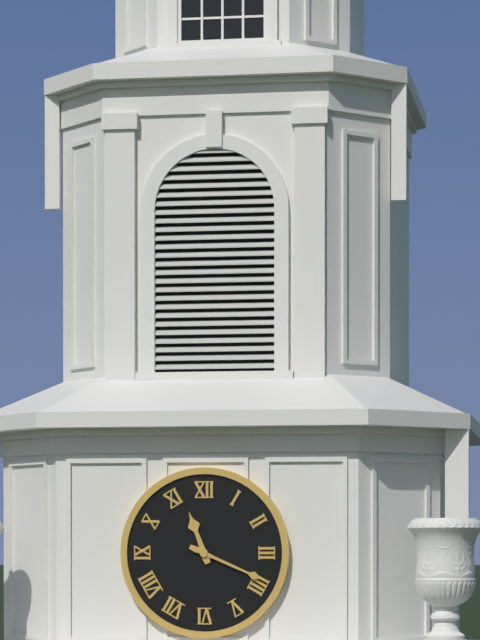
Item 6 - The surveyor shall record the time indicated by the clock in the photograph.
11:19
